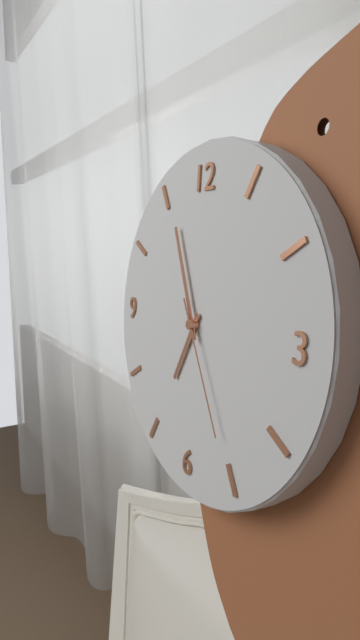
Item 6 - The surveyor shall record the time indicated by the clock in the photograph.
6:56:25
